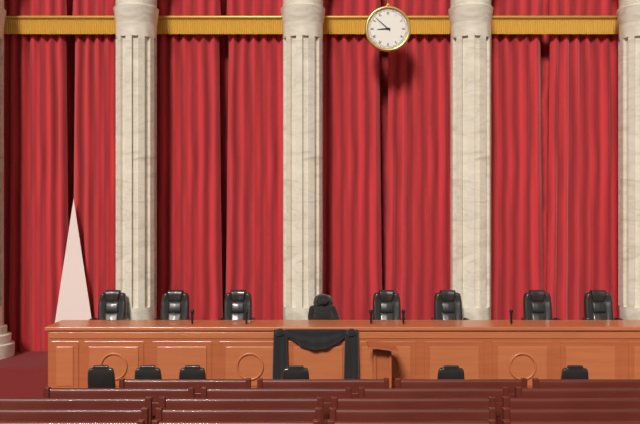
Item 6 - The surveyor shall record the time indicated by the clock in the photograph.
8:52
